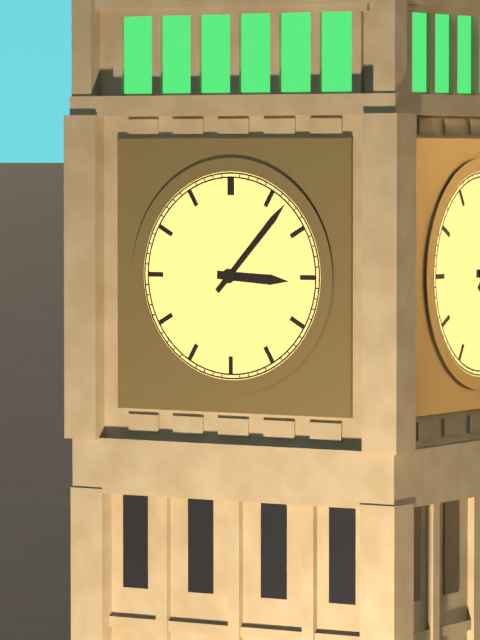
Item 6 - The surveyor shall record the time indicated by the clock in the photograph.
3:07
